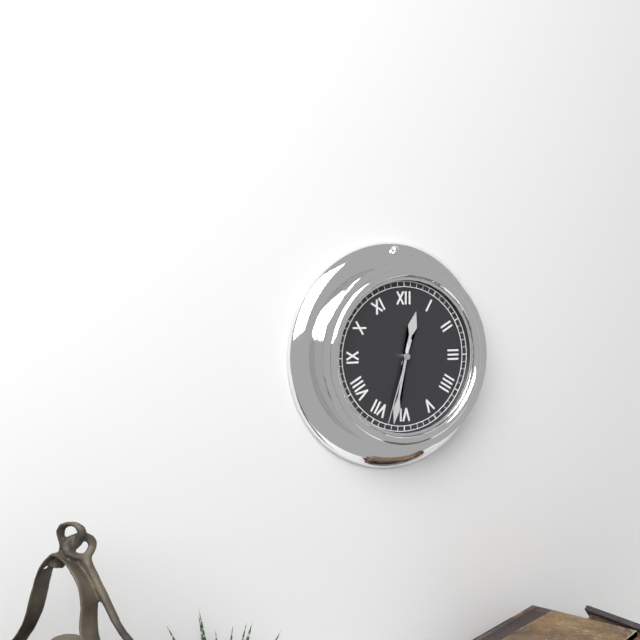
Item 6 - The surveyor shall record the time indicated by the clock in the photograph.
12:32:33
